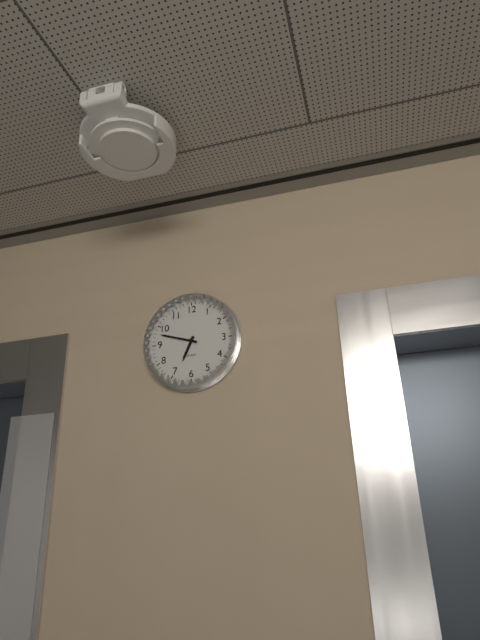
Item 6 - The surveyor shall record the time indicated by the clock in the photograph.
6:48
